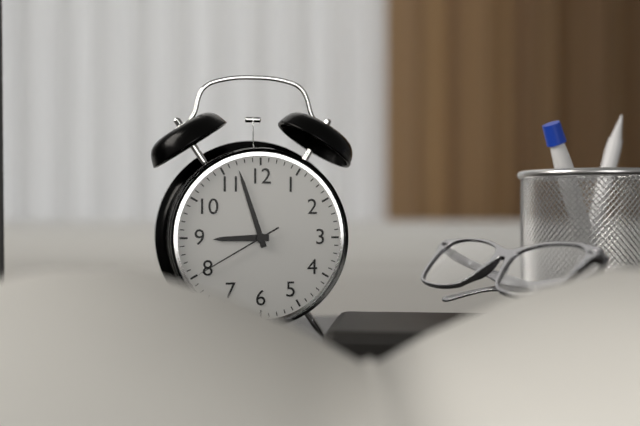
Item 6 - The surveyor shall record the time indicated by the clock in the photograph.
8:57:40
